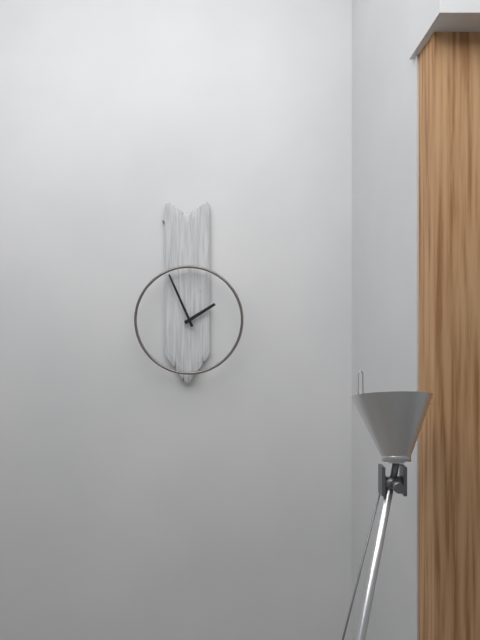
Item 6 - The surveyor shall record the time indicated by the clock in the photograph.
1:56
